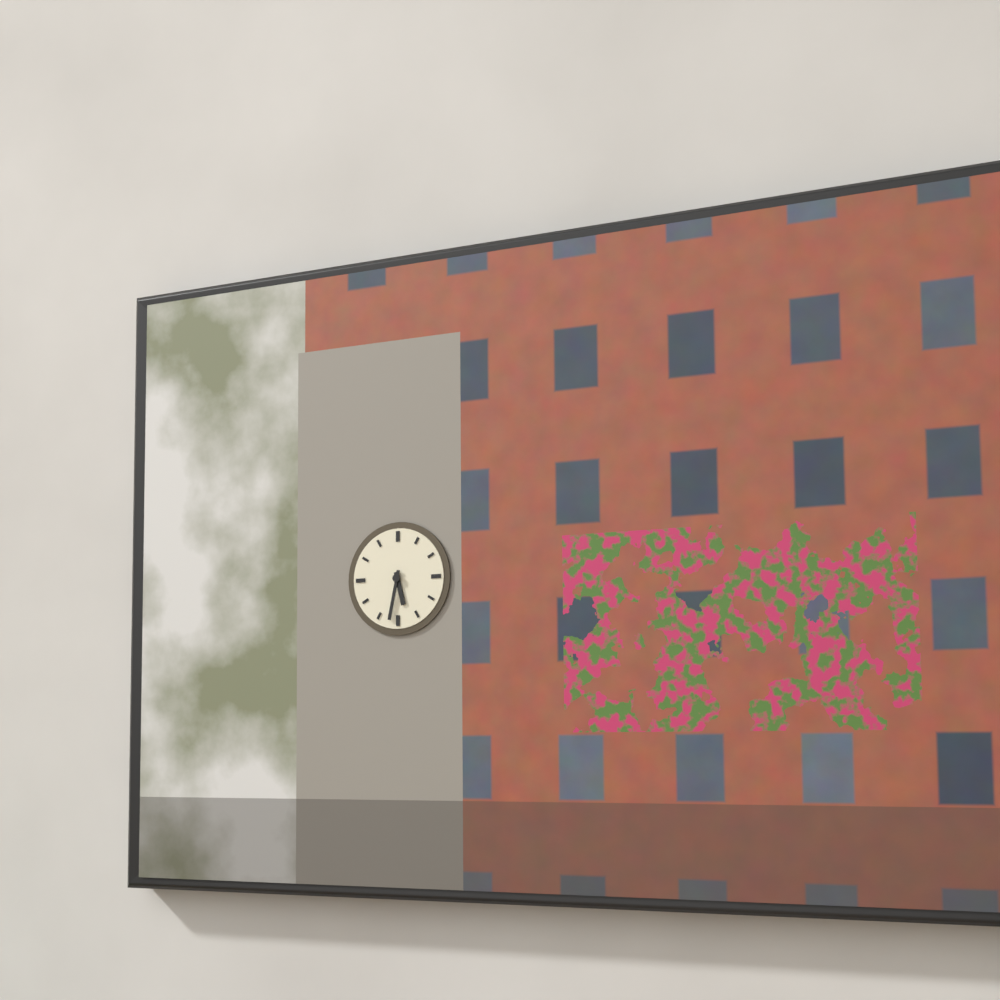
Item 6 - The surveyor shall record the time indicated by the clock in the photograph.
5:32
